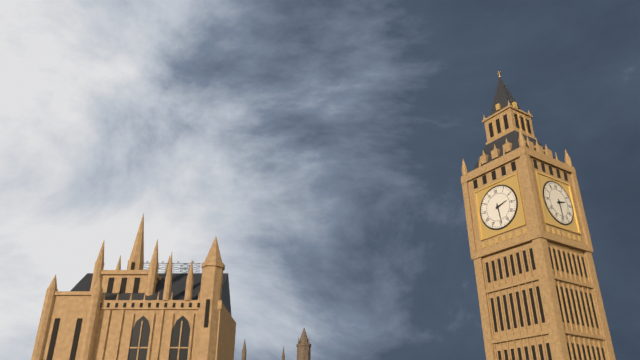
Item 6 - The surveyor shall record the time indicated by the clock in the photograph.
2:29
